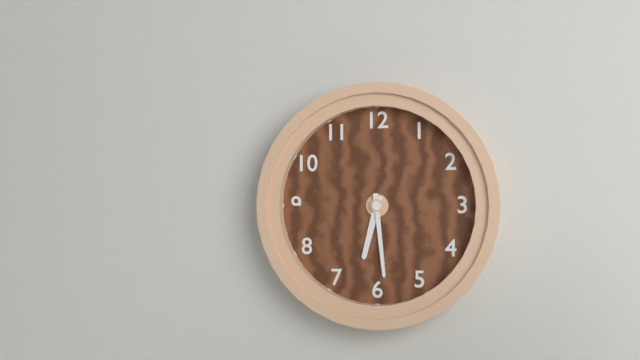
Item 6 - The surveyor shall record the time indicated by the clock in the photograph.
6:29
